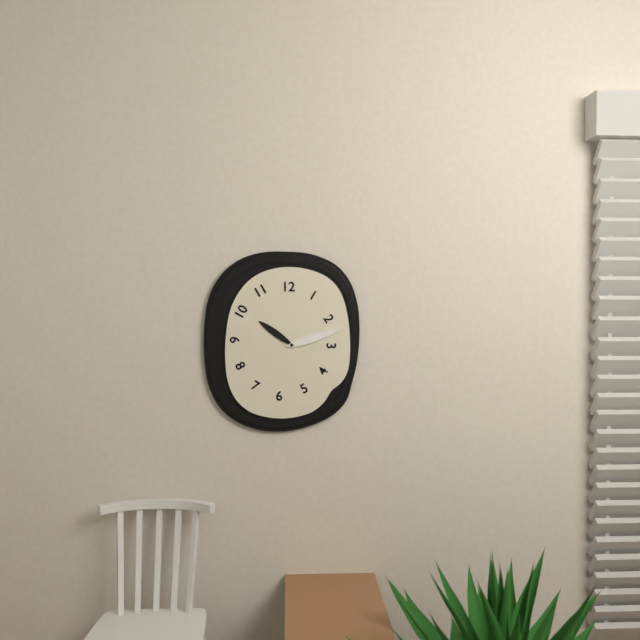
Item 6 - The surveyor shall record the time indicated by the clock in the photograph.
10:12
